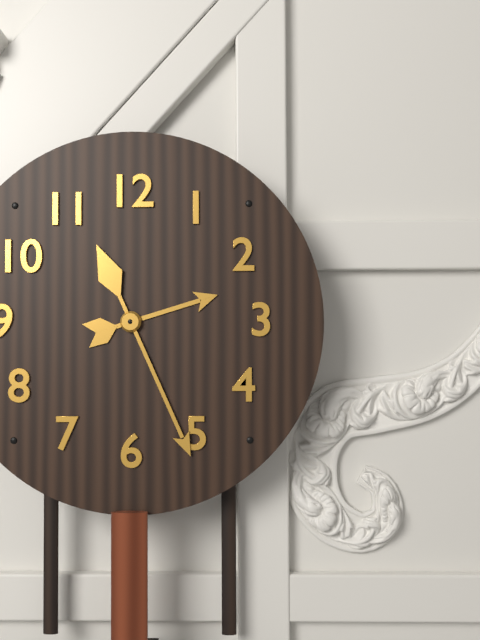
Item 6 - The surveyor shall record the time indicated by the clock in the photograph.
2:26
